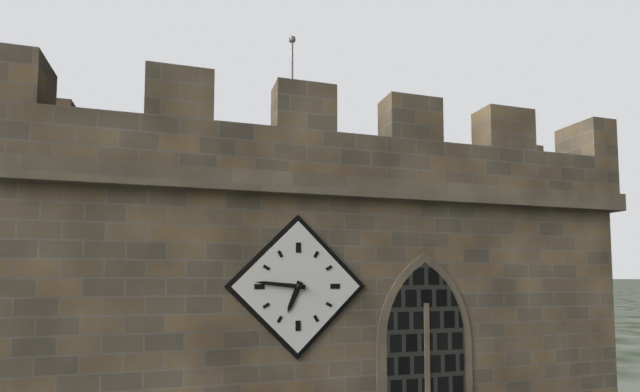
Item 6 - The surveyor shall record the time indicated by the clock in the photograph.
6:46
